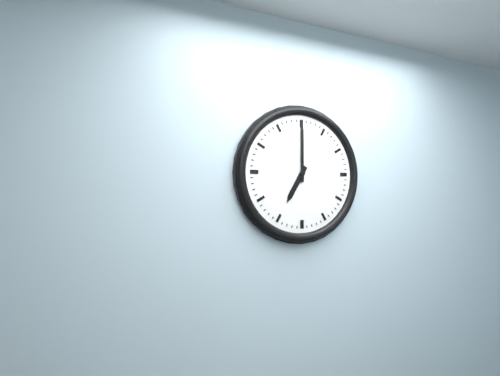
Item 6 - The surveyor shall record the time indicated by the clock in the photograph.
7:00
